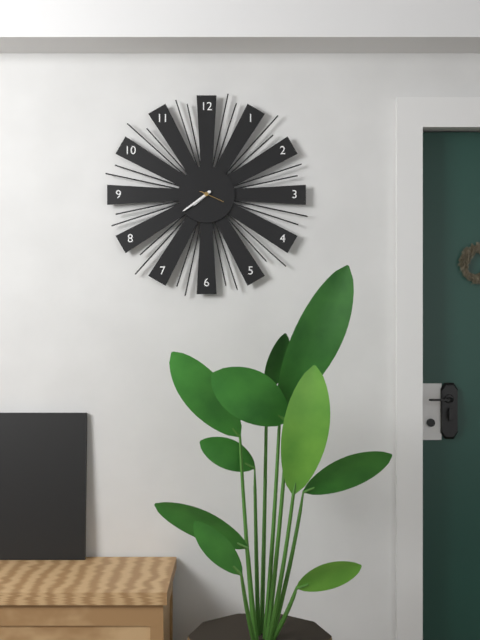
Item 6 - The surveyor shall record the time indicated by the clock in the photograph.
7:39
